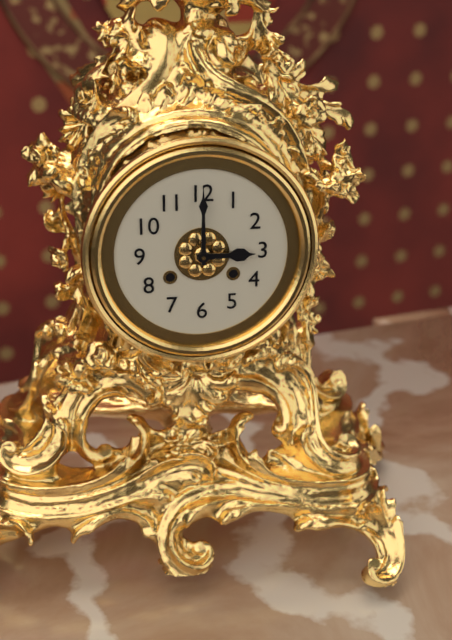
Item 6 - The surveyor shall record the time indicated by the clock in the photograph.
3:00
